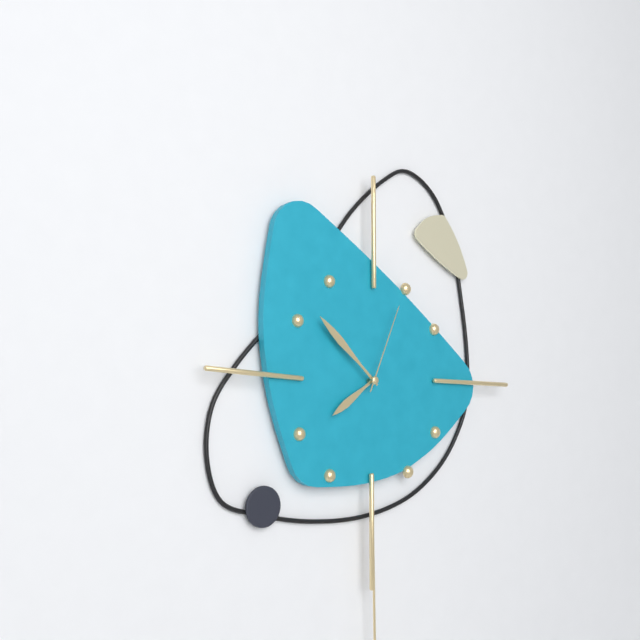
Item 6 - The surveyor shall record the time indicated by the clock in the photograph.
7:52:04
